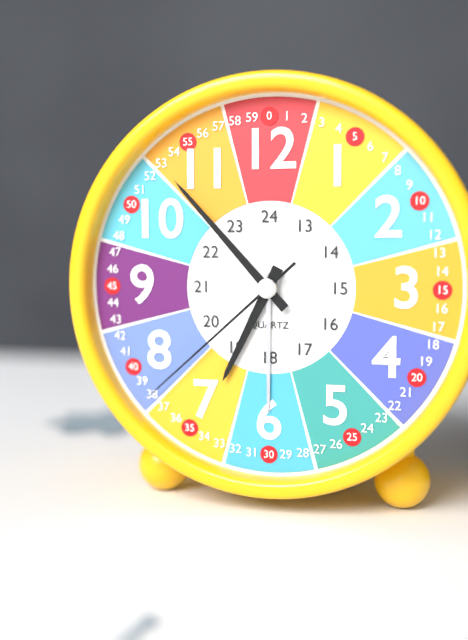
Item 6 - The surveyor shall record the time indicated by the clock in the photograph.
6:53:38
